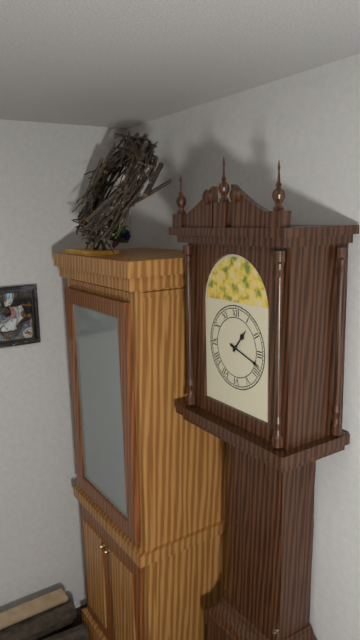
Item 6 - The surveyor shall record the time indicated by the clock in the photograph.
1:18
